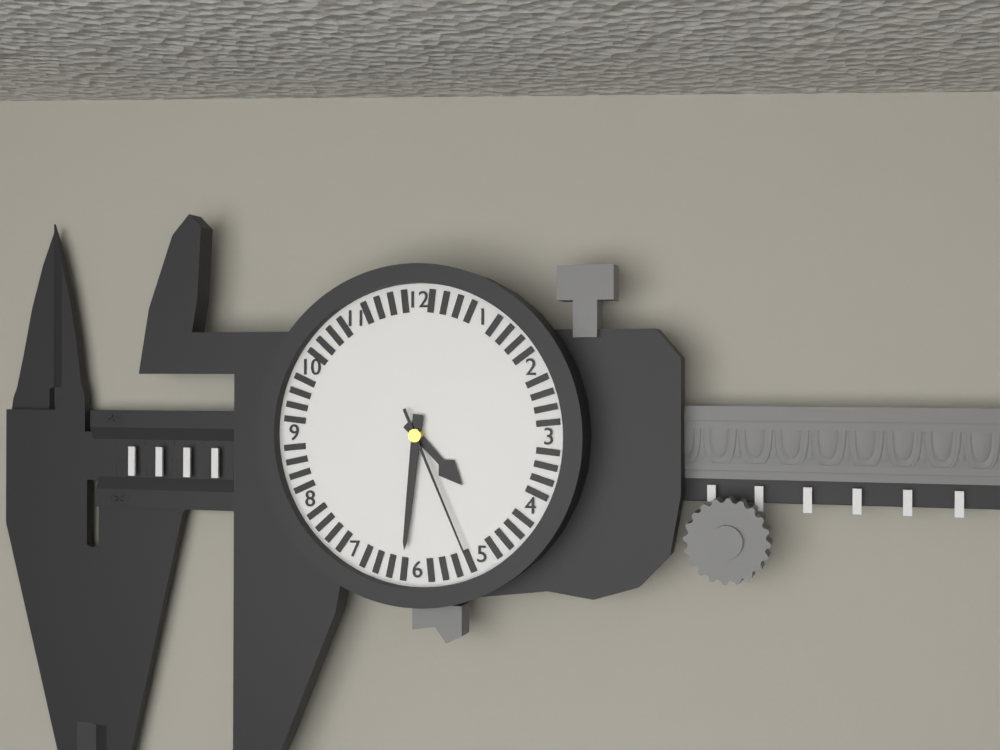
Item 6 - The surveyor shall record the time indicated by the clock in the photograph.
4:31:26
